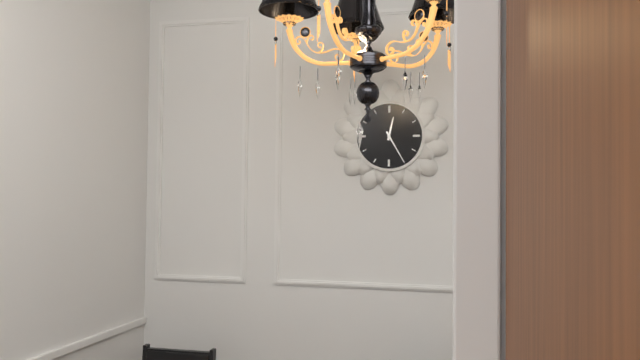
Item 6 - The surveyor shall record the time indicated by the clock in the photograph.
12:25
